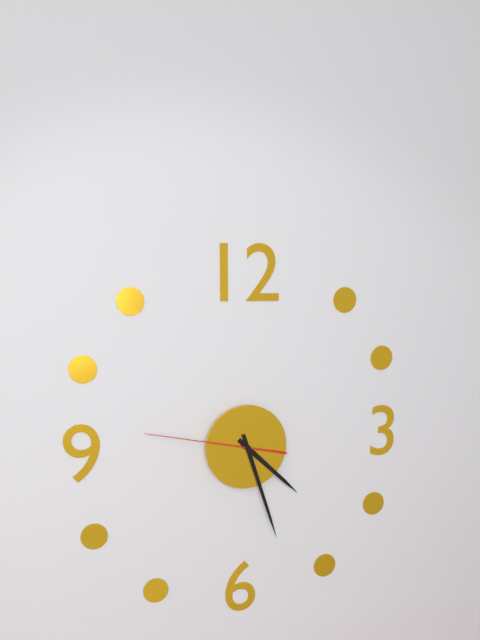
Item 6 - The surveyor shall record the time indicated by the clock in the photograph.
4:27:47
